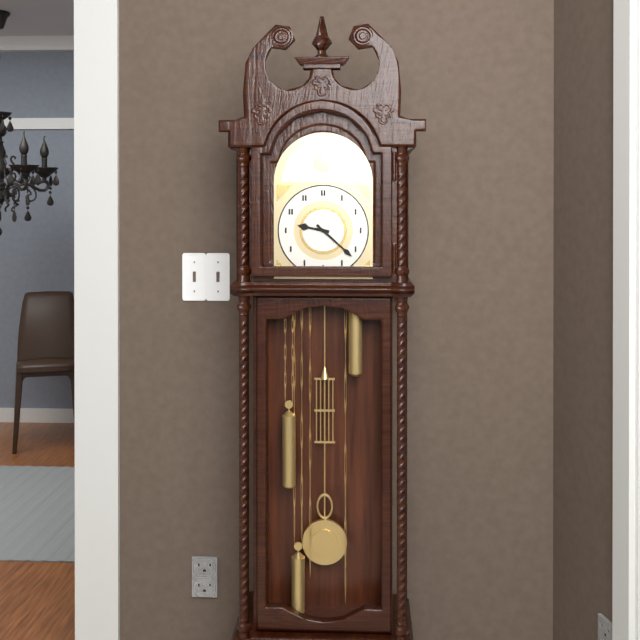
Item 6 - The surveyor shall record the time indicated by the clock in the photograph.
9:22
